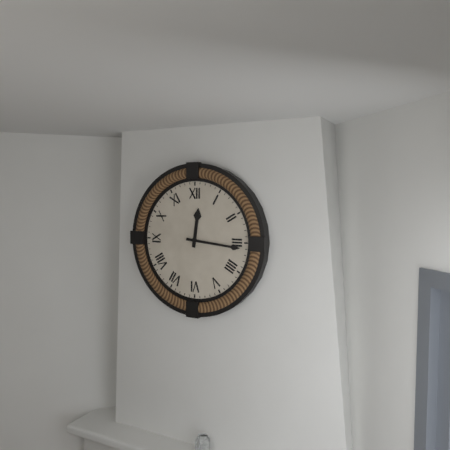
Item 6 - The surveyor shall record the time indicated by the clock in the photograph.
12:16
